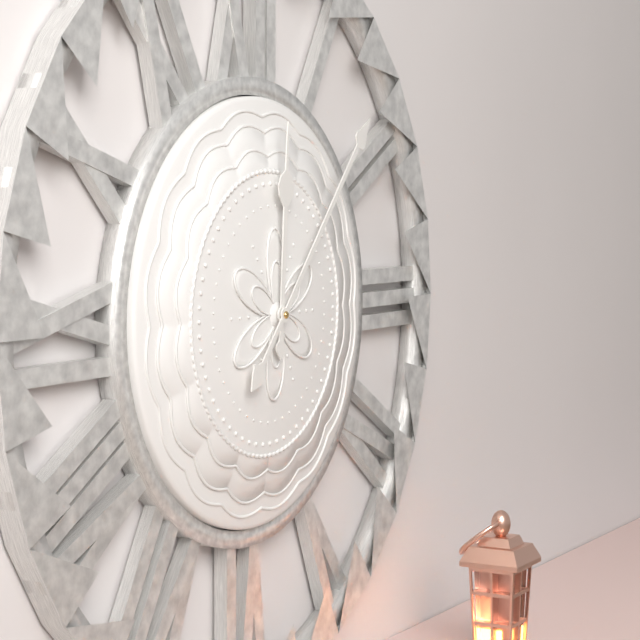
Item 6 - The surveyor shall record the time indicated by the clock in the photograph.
12:07
